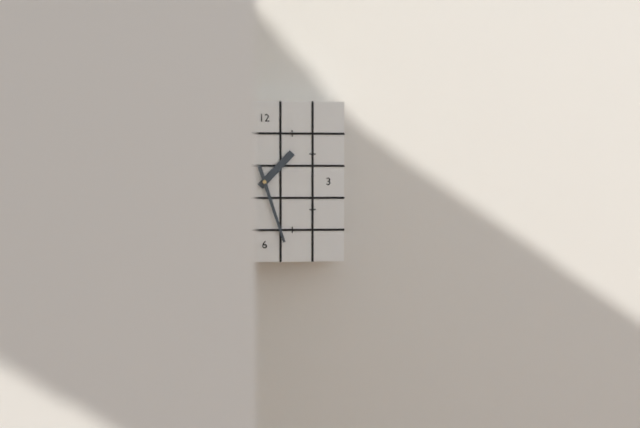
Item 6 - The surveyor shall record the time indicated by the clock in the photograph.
1:27
